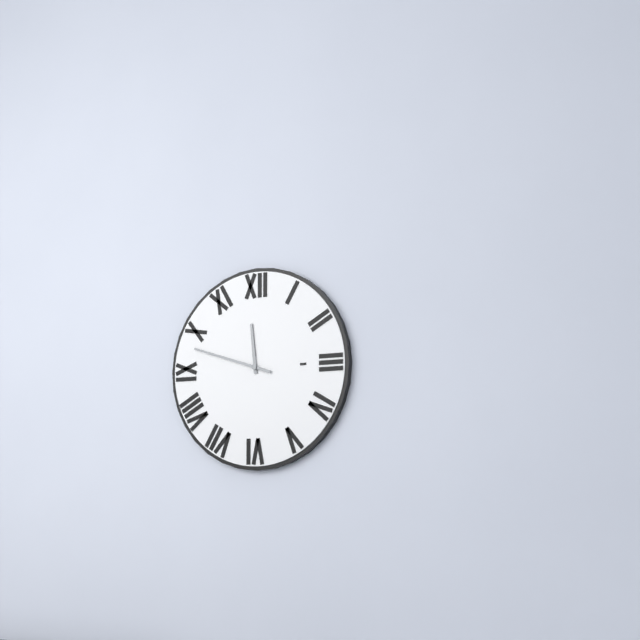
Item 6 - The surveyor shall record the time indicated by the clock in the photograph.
11:48
